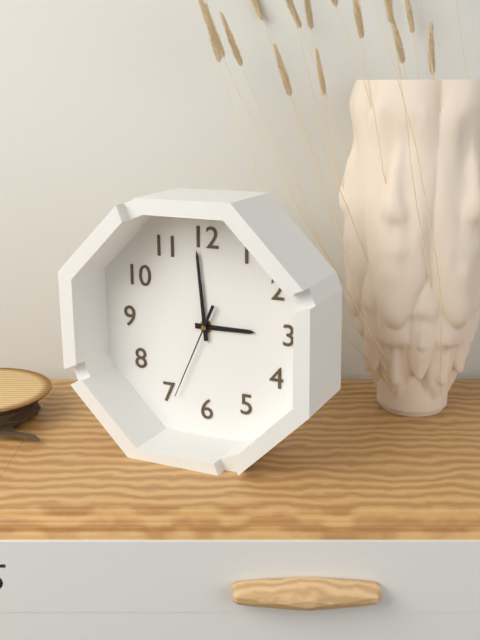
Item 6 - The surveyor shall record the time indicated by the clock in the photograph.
2:59:34
